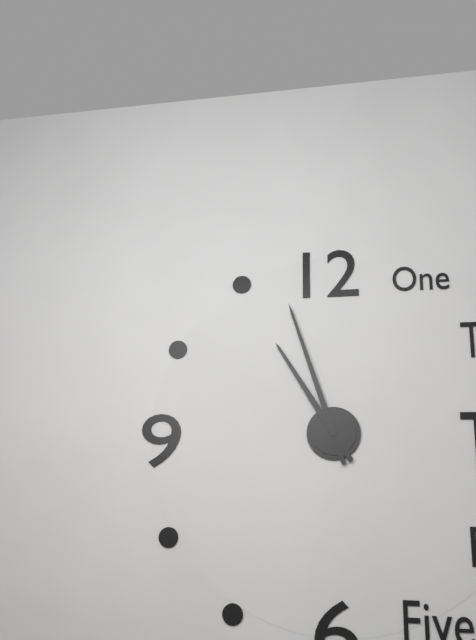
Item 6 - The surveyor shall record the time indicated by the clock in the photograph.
10:57
